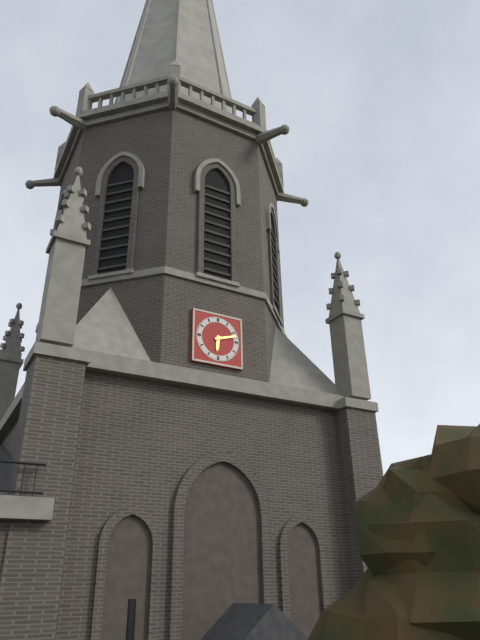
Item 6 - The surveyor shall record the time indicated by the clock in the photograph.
6:12
